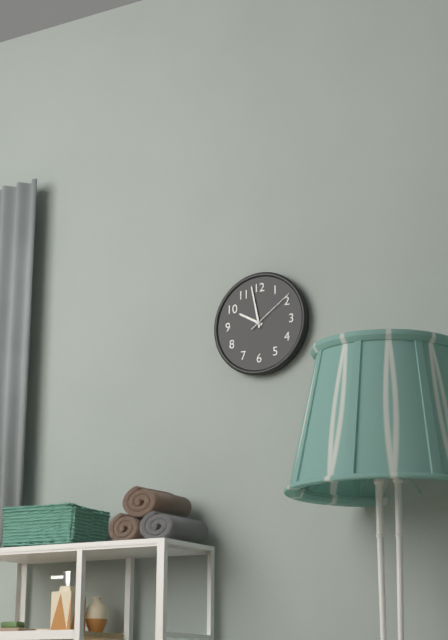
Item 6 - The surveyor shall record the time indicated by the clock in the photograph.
9:58:09
